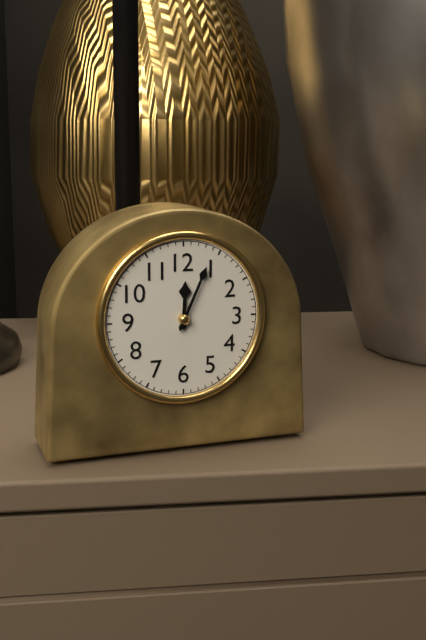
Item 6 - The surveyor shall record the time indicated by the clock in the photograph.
12:04
